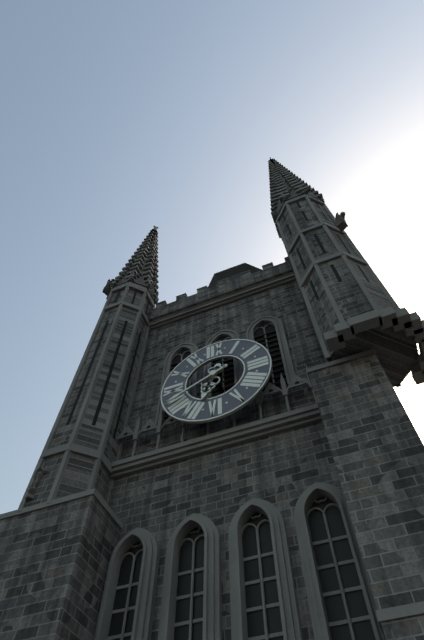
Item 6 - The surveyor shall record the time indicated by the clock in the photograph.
6:41
